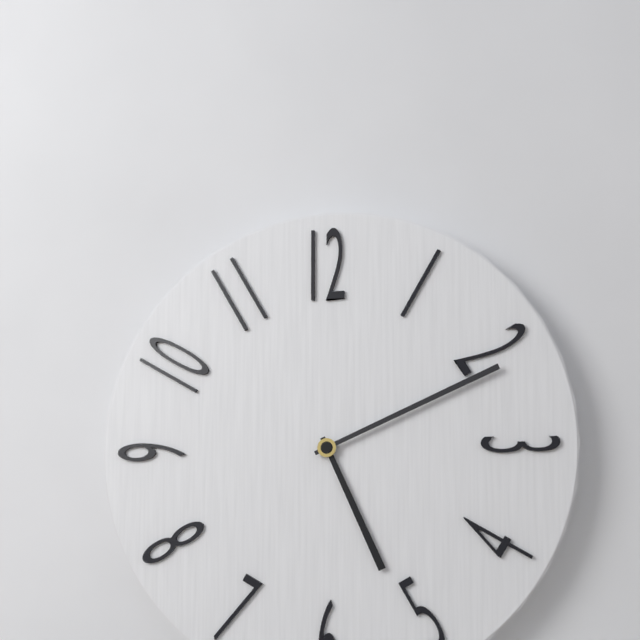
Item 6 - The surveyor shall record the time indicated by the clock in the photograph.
5:11
